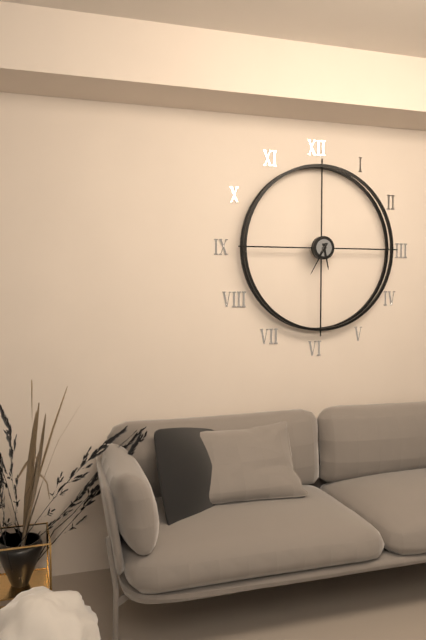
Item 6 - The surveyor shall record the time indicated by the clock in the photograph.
5:35
